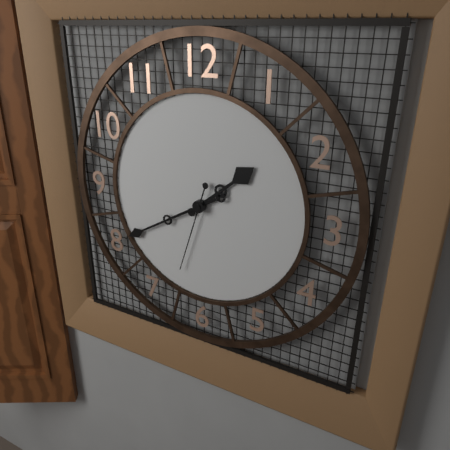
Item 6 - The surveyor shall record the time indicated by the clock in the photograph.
1:40:33
